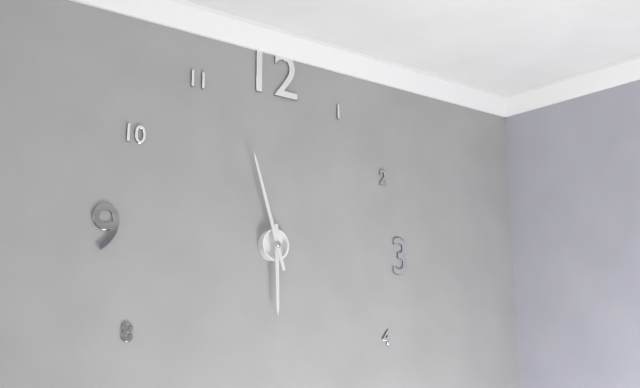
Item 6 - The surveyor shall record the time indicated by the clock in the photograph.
5:57
